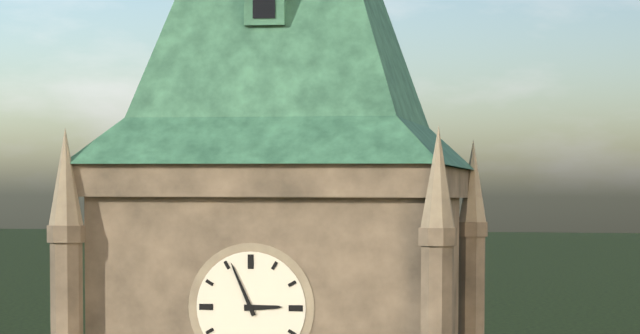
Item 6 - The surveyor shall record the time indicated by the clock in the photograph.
2:56
